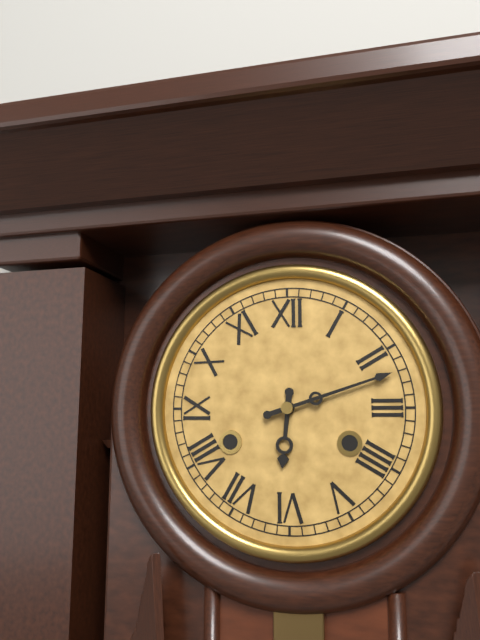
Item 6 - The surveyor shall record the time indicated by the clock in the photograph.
6:12
